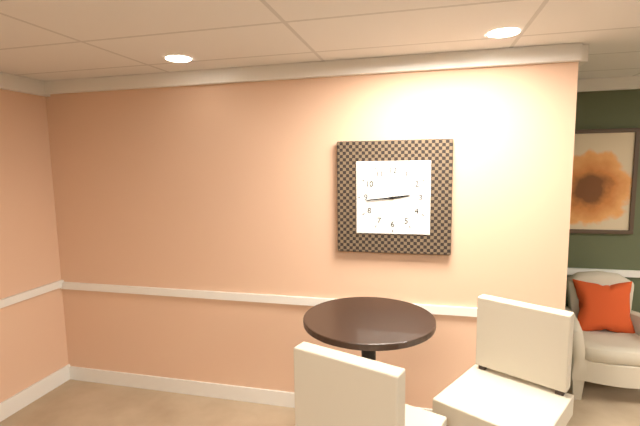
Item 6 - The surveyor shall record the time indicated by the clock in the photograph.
2:44
